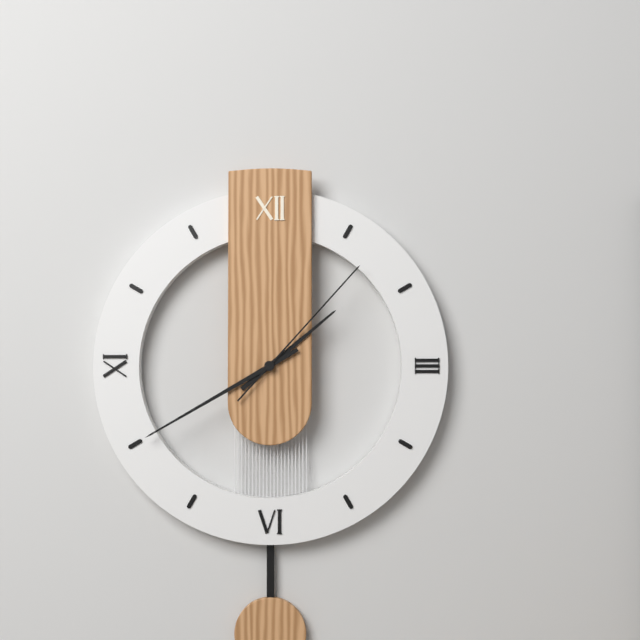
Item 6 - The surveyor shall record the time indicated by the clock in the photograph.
1:40:07
